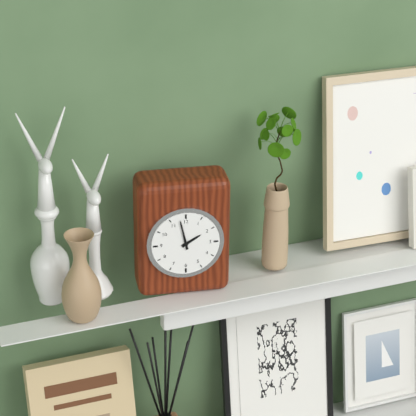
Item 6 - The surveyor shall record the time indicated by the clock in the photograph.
1:58
